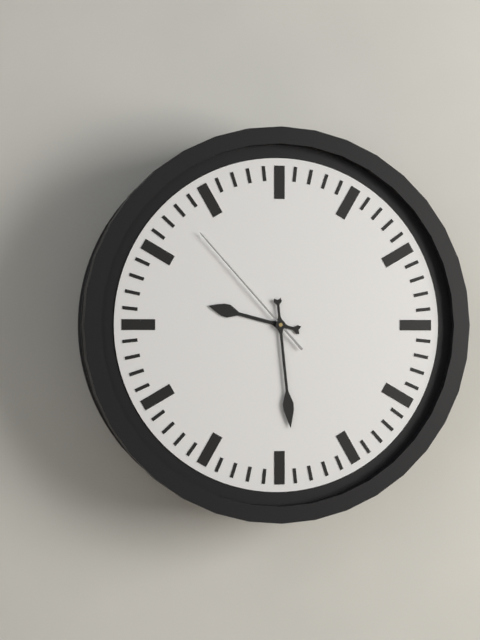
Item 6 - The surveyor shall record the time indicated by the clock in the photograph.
9:29:53
